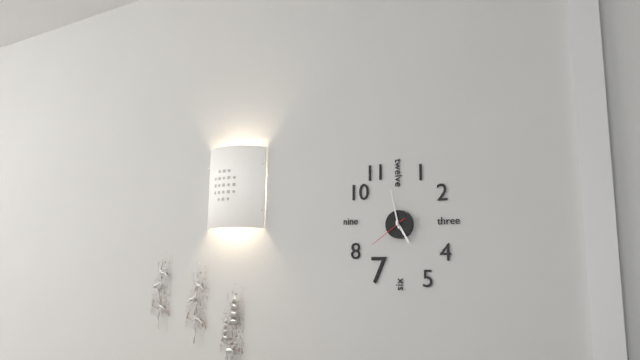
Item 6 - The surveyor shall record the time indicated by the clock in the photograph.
4:58
